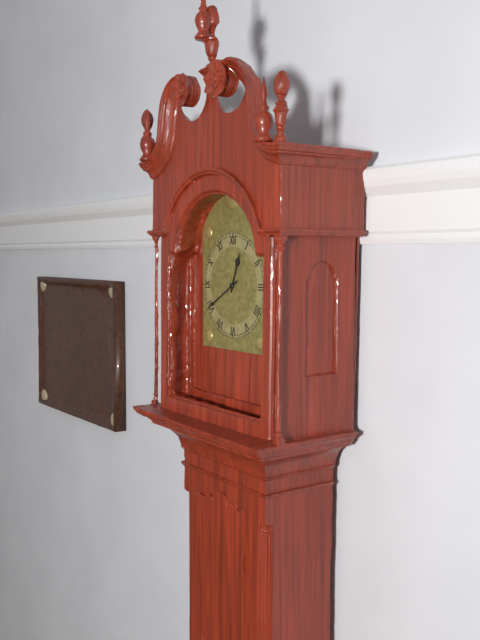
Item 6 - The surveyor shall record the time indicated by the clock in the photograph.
12:40
